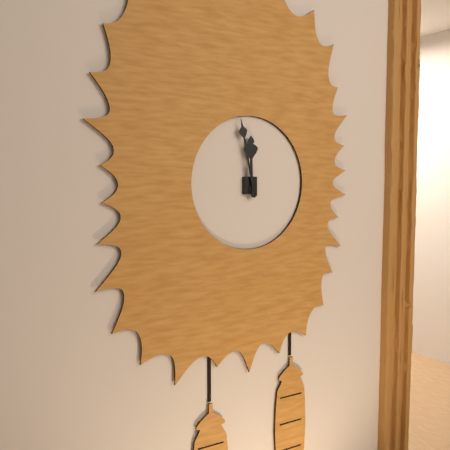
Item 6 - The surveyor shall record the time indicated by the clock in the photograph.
11:58
